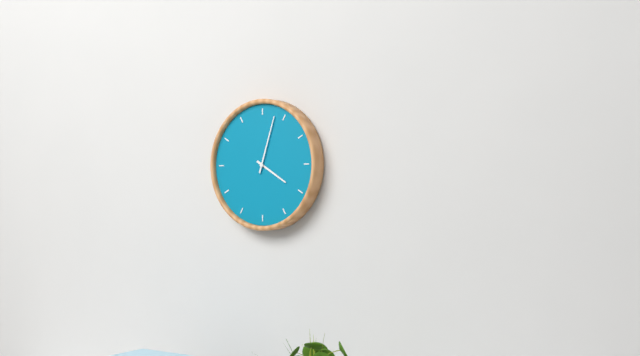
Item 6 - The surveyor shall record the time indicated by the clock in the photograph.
4:03
